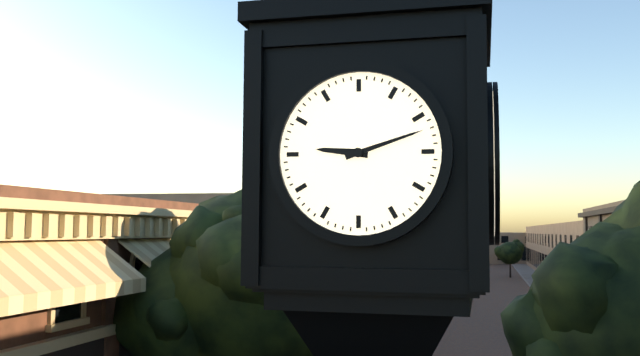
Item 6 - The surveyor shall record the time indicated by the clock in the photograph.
9:12
